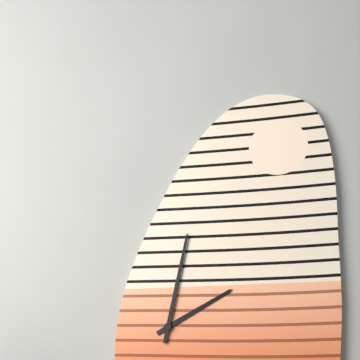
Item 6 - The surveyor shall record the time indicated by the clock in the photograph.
2:02
